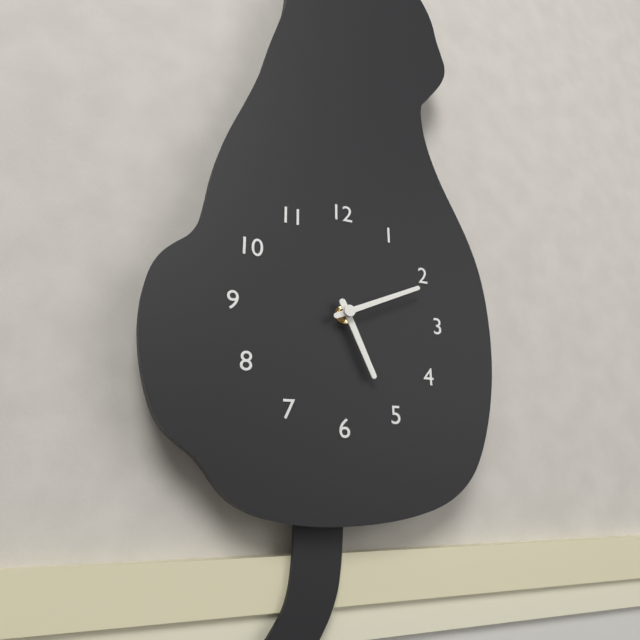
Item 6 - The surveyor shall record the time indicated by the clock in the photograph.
5:11
